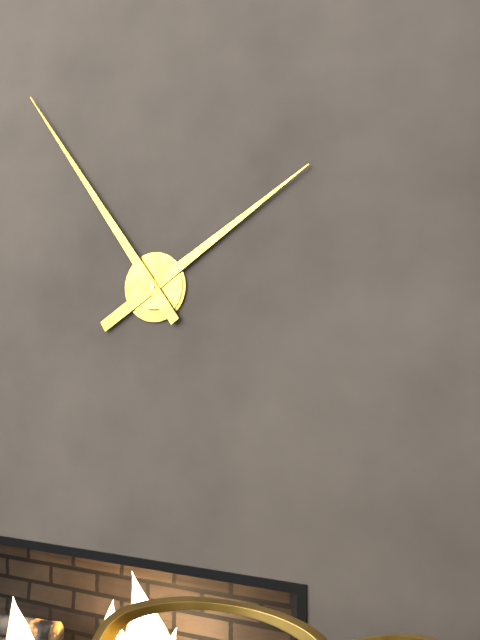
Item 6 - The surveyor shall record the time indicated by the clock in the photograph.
1:54
